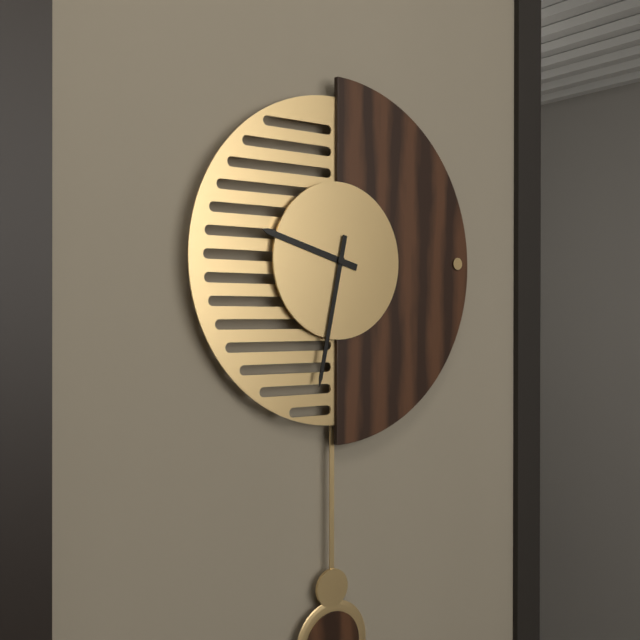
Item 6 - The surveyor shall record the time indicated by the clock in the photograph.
9:32
